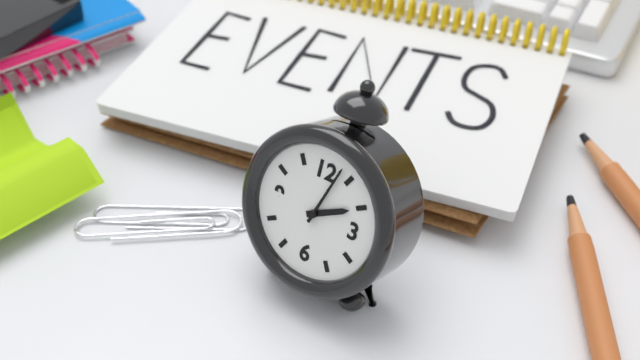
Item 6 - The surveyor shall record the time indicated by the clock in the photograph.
2:03
